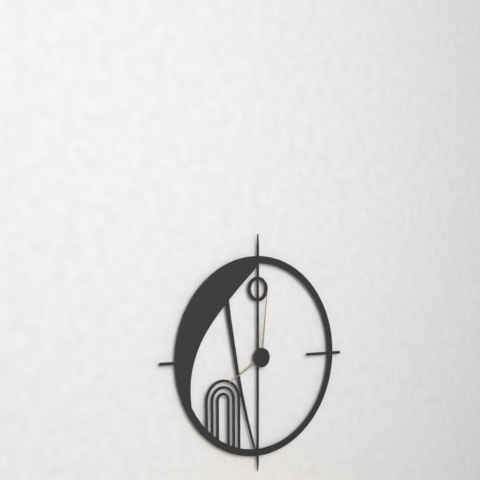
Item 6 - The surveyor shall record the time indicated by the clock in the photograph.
8:01
